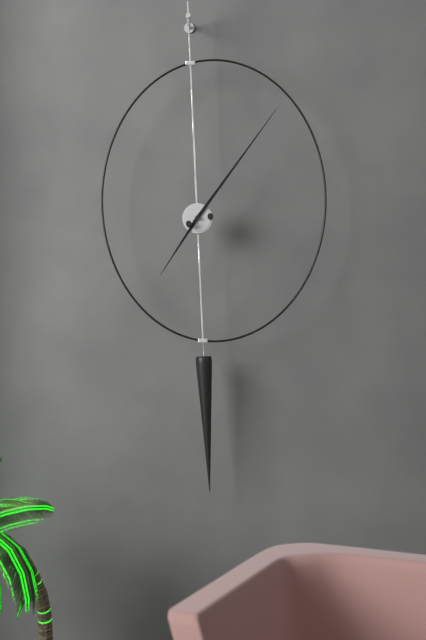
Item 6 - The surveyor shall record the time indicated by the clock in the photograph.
7:06
